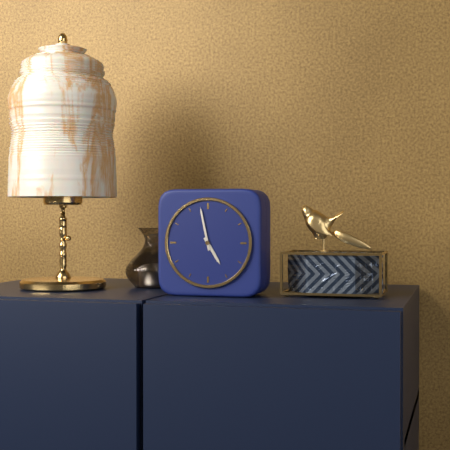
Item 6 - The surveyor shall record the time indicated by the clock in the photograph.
4:58
